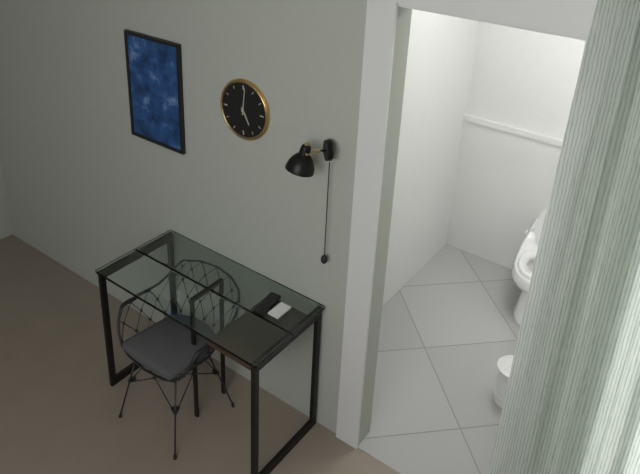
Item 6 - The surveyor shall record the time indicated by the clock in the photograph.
5:01
